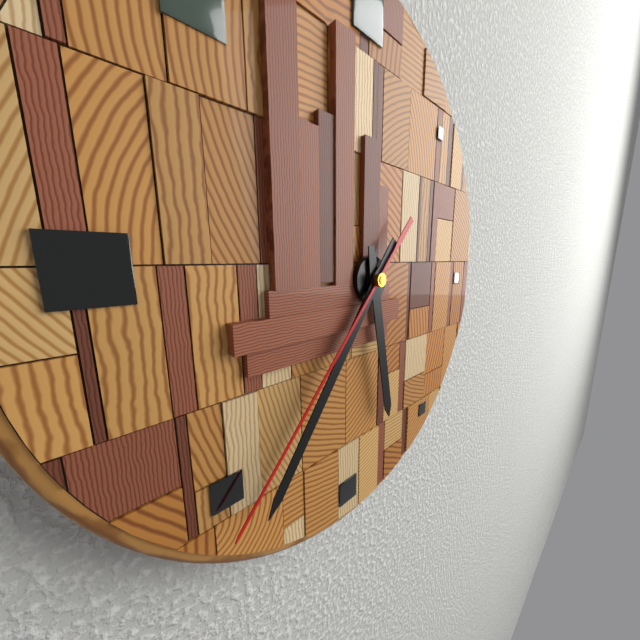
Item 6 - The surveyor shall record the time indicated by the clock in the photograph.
5:36:37
